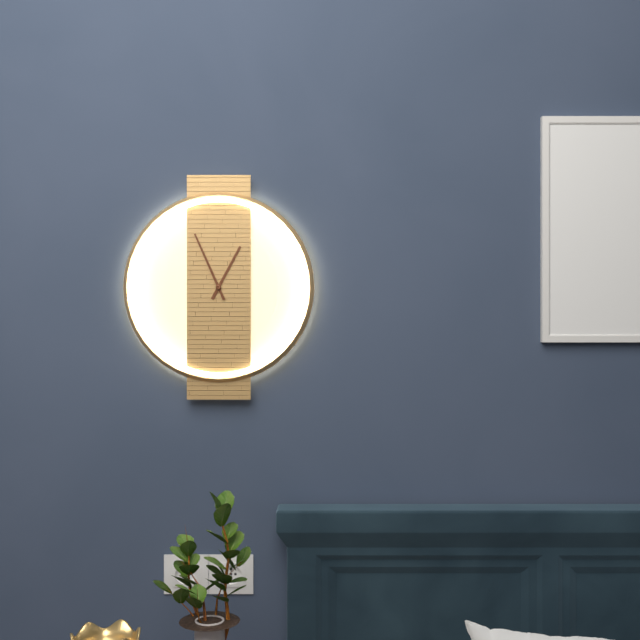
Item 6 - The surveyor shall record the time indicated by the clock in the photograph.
12:56
